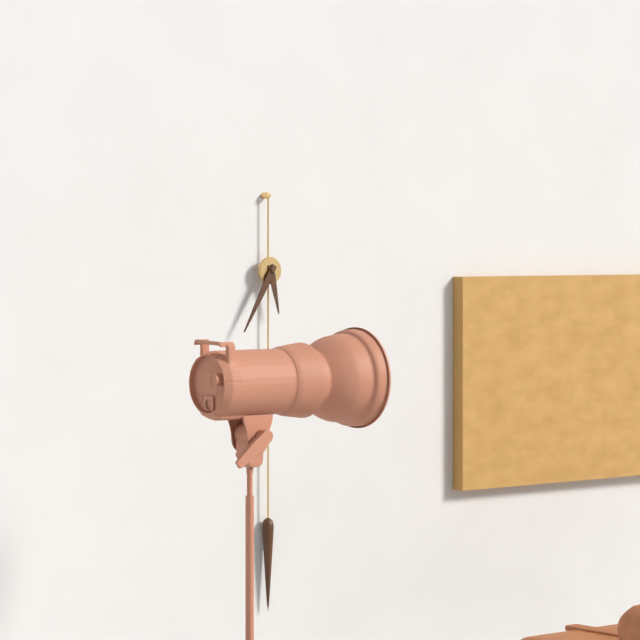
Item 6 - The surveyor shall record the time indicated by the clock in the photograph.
5:35
